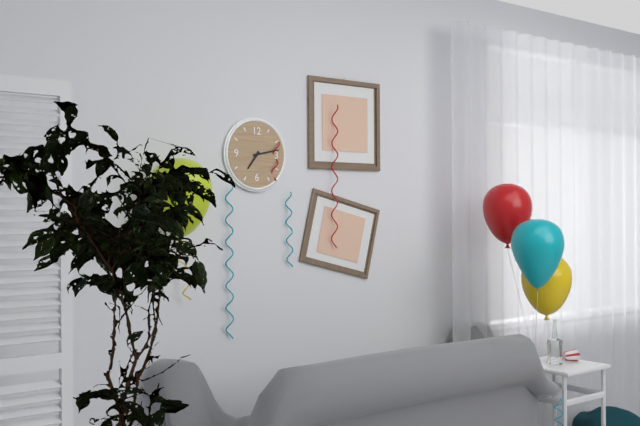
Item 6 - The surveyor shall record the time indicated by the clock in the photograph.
7:13
